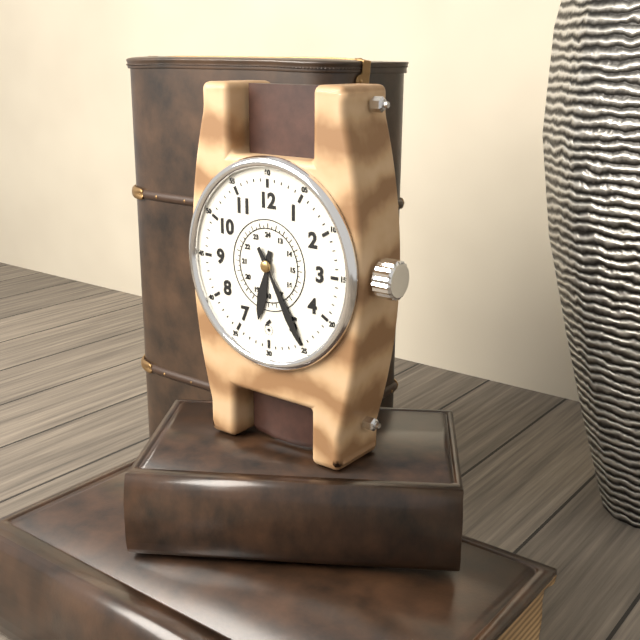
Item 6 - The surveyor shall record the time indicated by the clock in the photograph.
6:25
